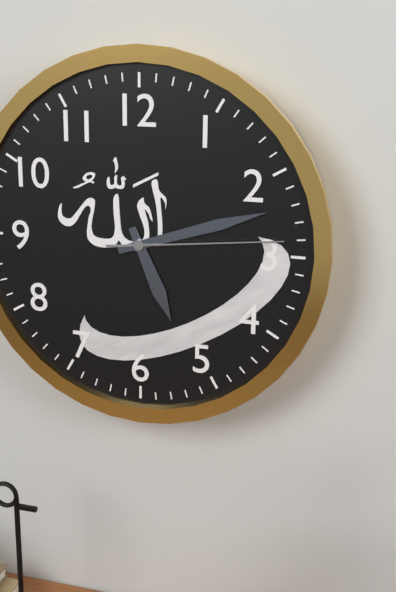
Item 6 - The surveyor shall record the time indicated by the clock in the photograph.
5:12:14
